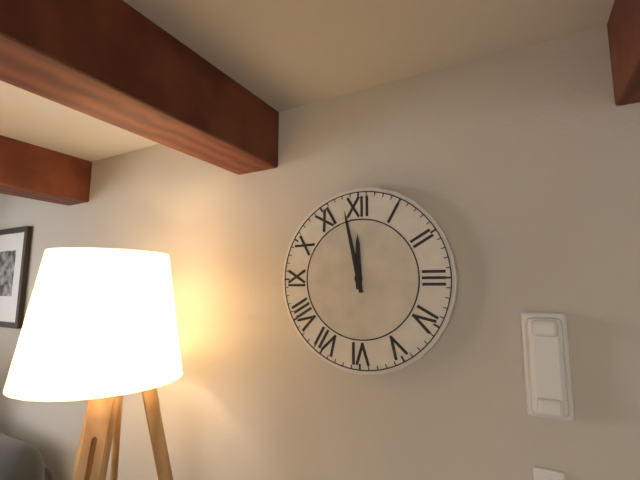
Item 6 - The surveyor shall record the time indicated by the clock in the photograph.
11:58
